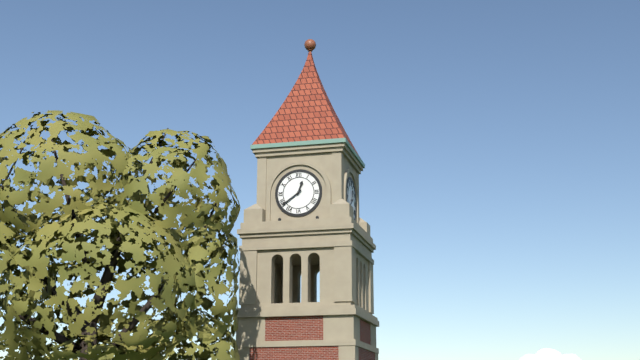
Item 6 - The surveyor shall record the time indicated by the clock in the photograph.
12:39
